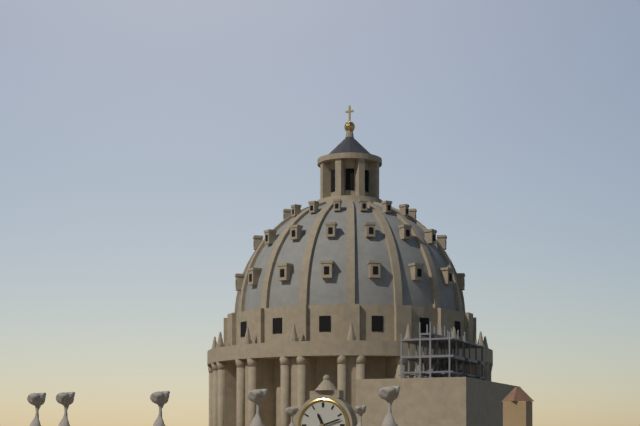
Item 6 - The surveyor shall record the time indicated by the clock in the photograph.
11:12
